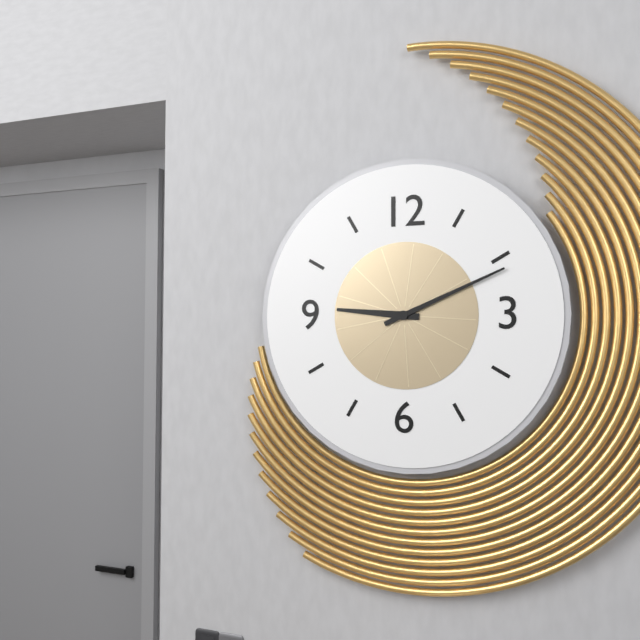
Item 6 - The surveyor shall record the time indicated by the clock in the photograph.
9:11
